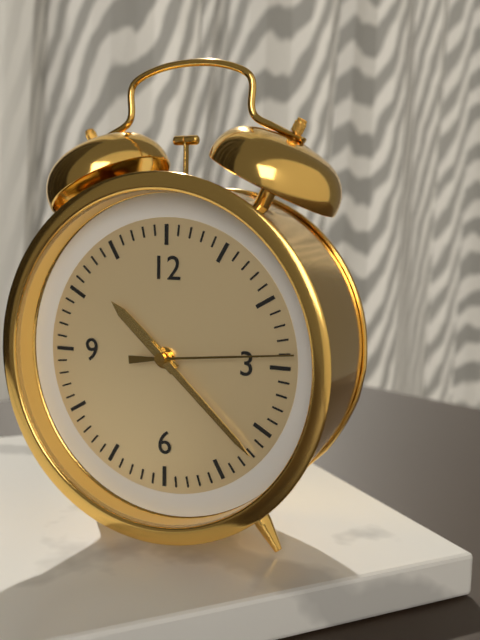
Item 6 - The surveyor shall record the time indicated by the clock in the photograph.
10:22:14
